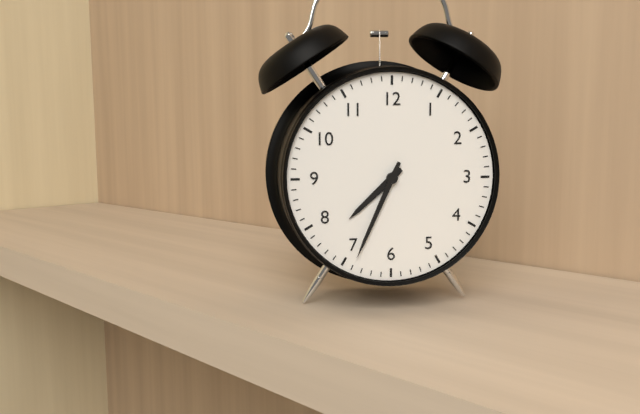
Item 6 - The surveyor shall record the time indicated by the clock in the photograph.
7:34
